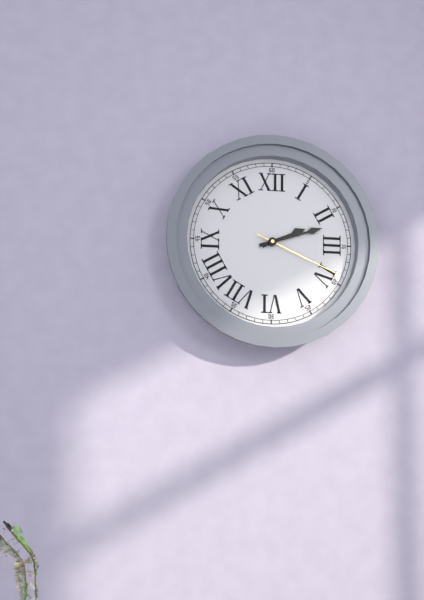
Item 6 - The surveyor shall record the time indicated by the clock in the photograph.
2:12:19
